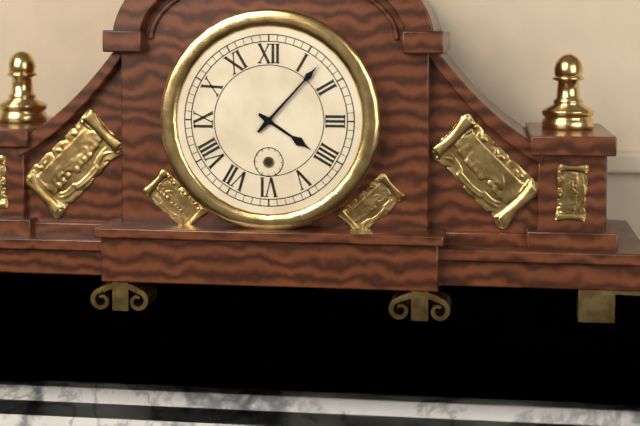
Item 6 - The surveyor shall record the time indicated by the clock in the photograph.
4:07
